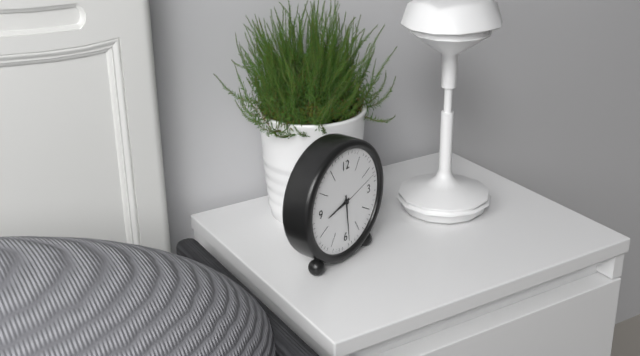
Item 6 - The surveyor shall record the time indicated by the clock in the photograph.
8:29
